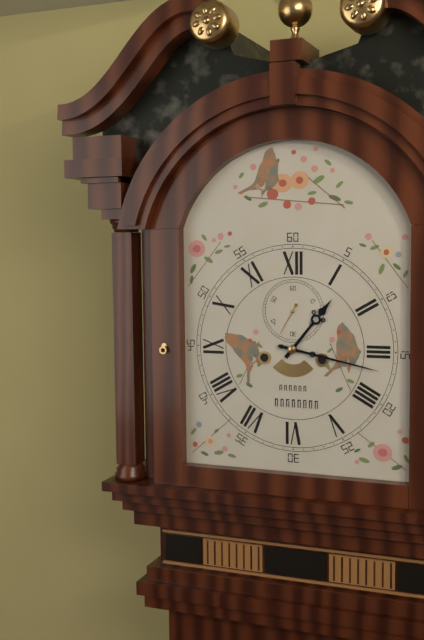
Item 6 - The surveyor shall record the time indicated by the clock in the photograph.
1:17
